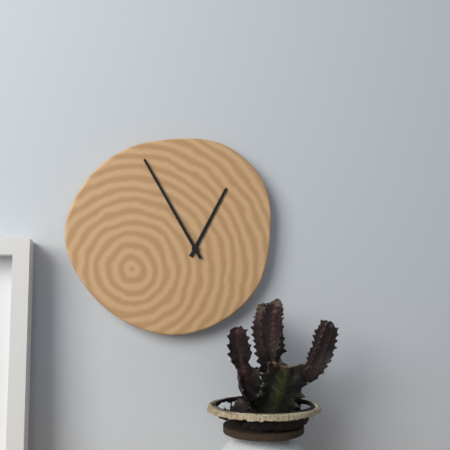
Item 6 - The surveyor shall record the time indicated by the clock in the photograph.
12:55
